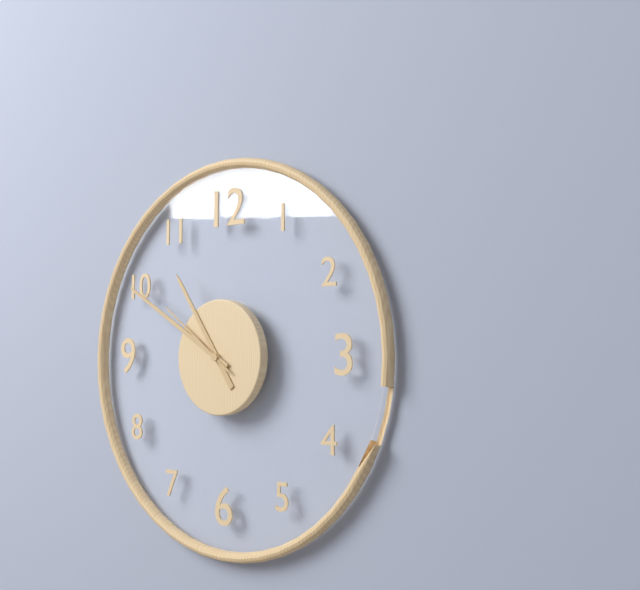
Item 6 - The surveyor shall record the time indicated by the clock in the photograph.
10:50:51
